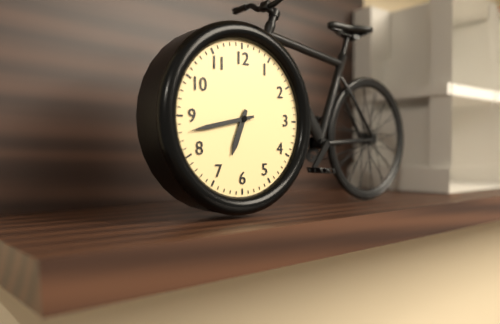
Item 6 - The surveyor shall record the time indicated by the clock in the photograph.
6:43
